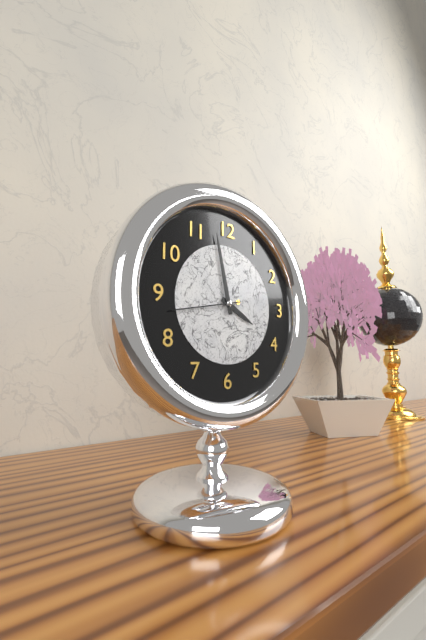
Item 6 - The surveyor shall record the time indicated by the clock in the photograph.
3:58:43
